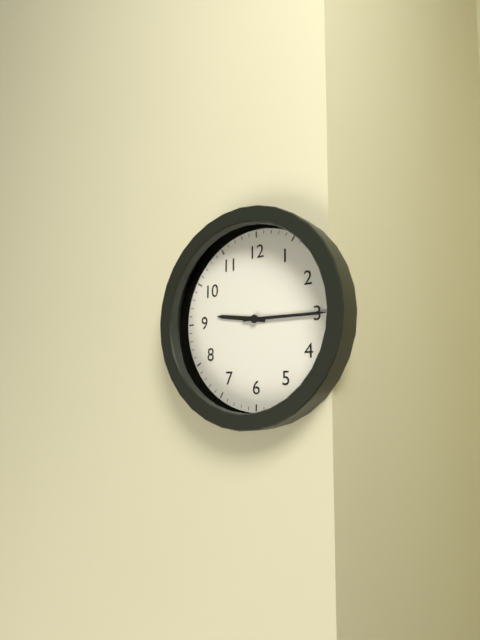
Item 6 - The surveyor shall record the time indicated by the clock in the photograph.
9:15
